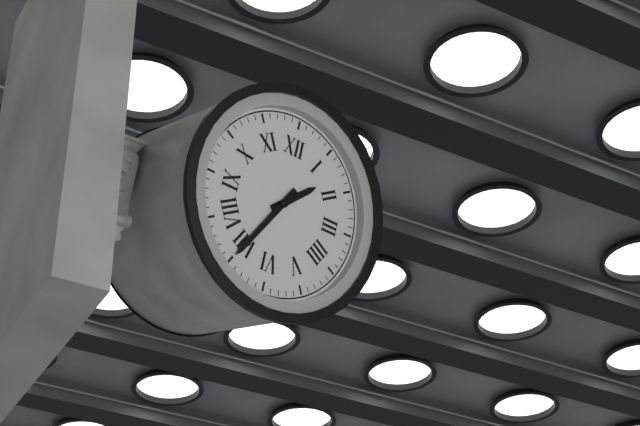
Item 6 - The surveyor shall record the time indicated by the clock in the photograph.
1:35
